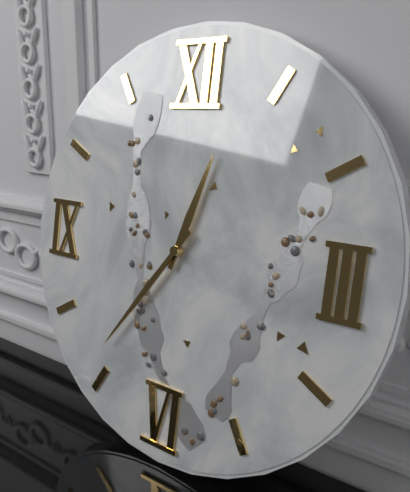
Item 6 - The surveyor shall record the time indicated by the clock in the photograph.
12:36
